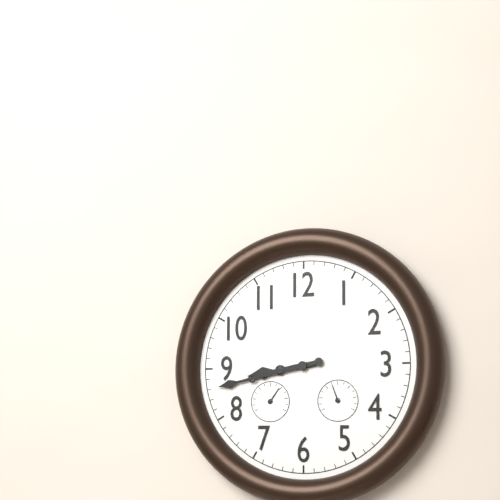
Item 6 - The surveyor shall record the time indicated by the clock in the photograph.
8:43
